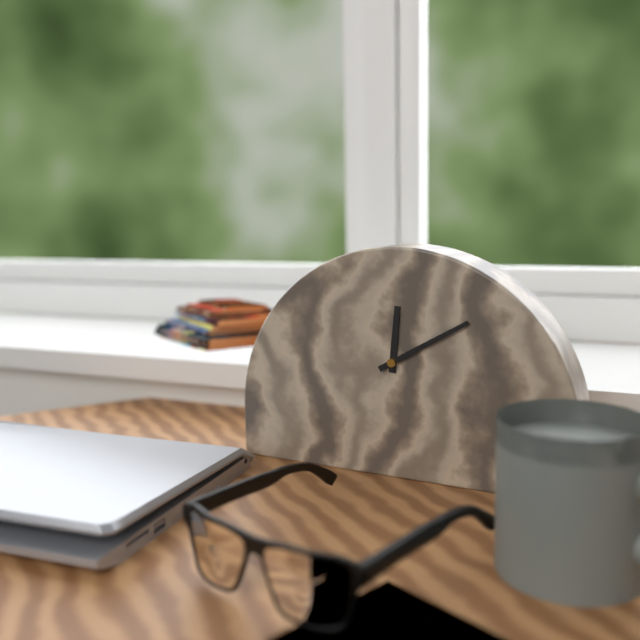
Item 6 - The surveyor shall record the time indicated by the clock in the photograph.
12:10
